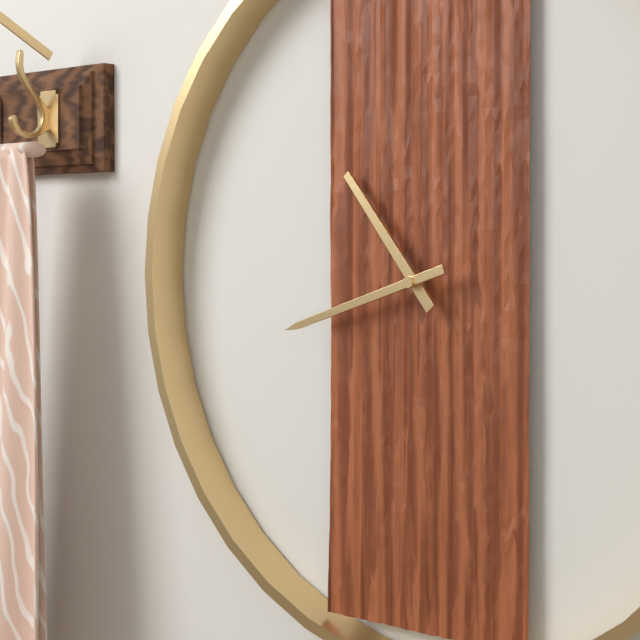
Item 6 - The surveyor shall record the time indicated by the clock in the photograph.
10:42
